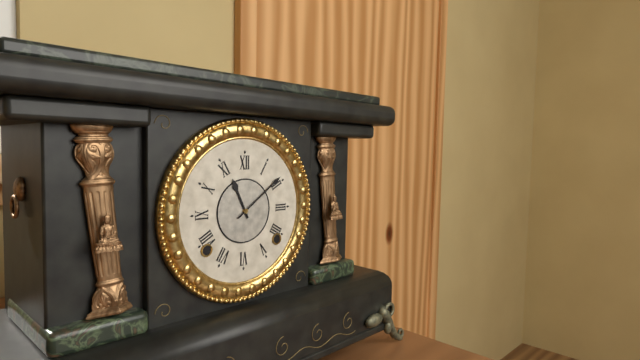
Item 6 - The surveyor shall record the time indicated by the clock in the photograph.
11:09
